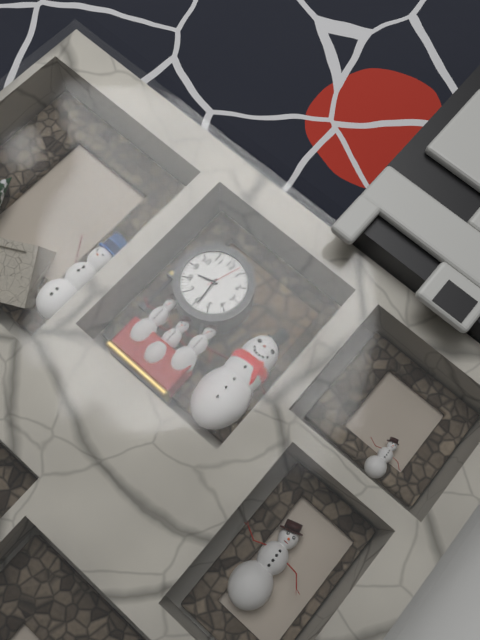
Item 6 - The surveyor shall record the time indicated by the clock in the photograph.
8:29
